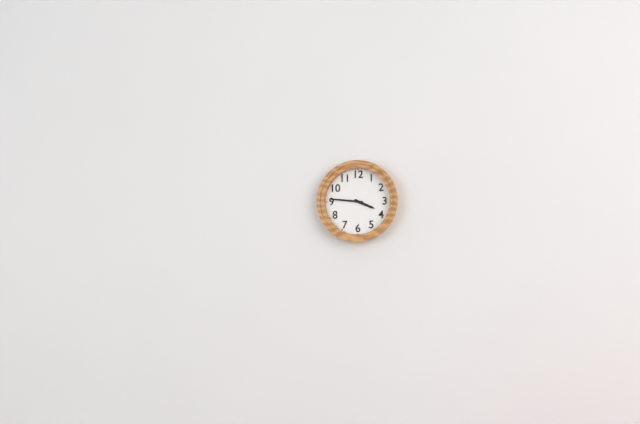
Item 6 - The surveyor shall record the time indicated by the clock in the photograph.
3:46
